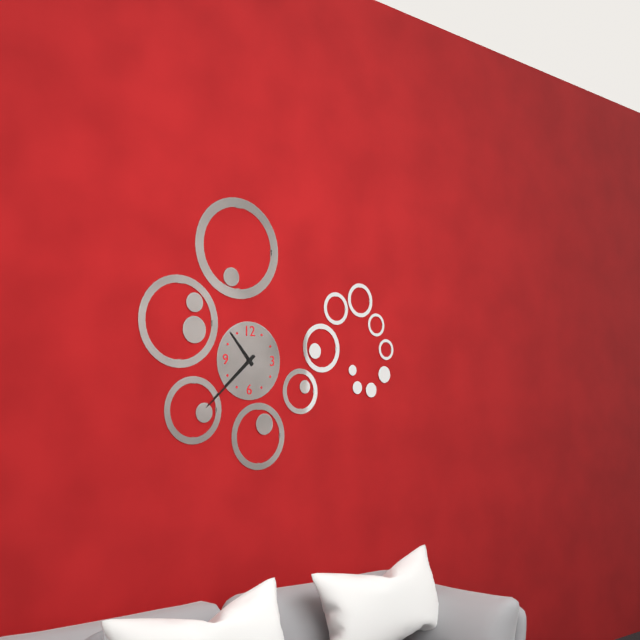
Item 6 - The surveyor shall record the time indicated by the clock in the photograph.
10:38
